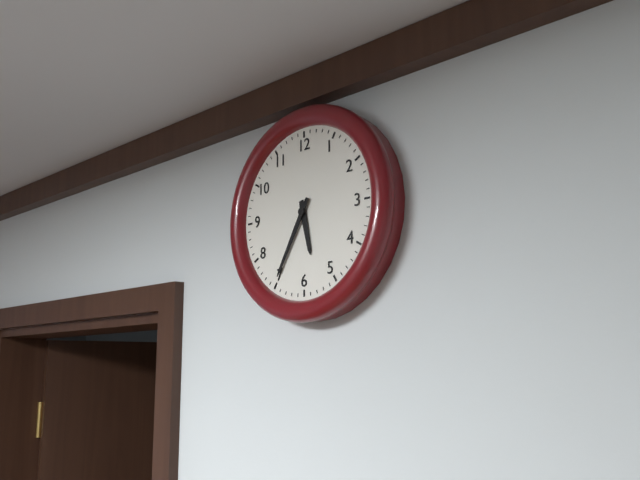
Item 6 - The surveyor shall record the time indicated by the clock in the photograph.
5:35
